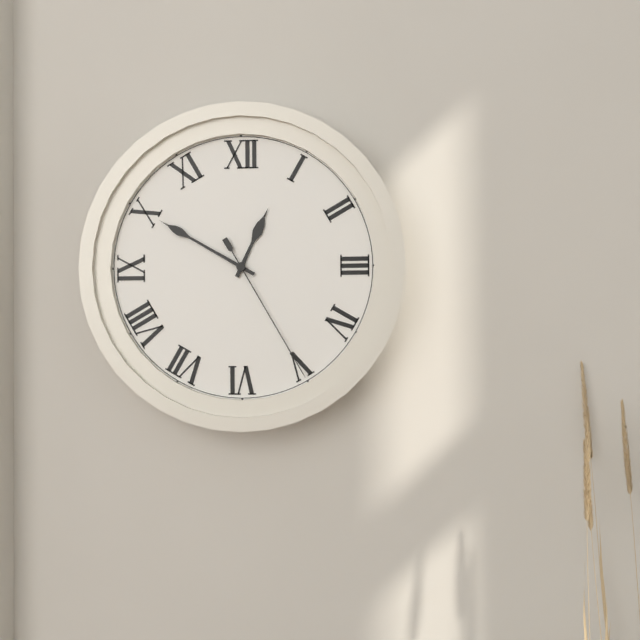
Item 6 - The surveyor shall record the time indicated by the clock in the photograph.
12:50:25
